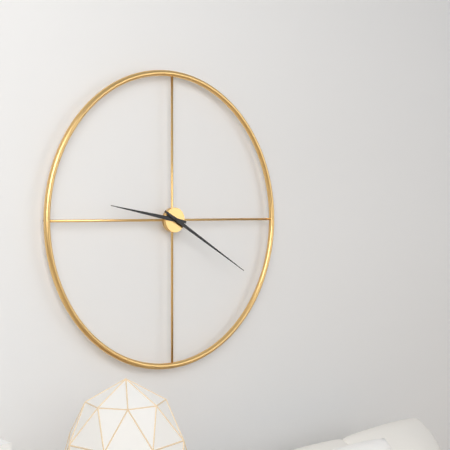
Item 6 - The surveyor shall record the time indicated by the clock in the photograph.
9:20
